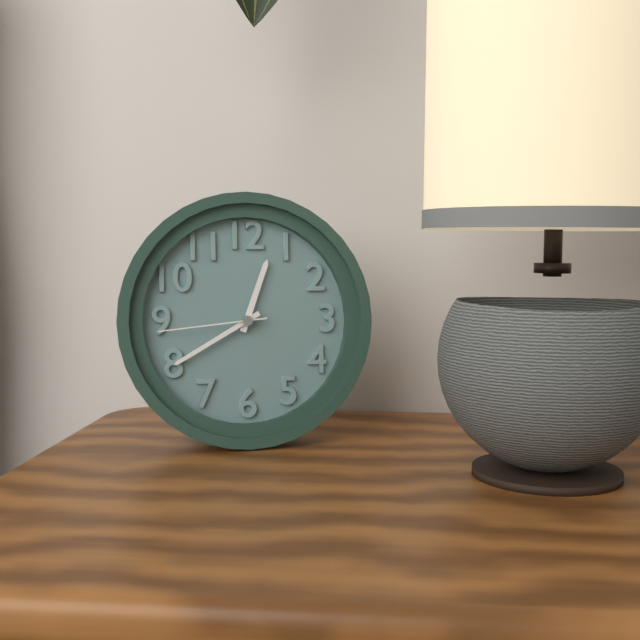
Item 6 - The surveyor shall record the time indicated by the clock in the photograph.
12:40:44
